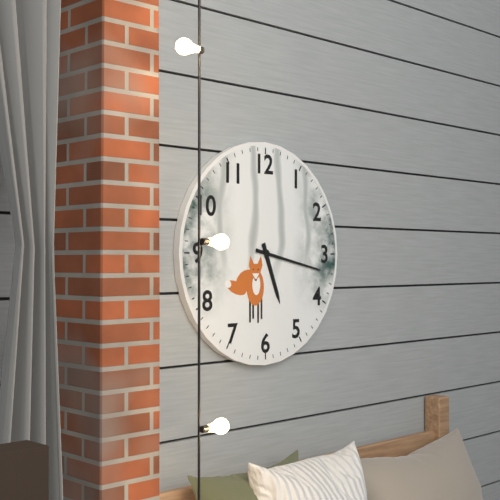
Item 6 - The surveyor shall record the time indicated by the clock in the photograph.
5:17
